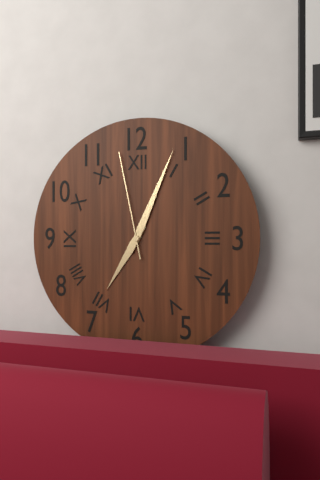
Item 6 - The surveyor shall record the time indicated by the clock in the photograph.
7:04:58
